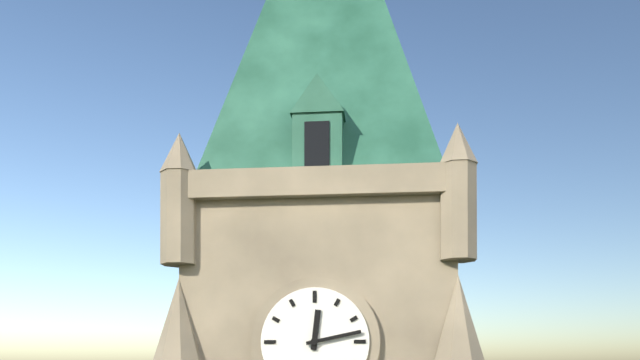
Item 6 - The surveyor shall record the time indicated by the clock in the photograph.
12:13
